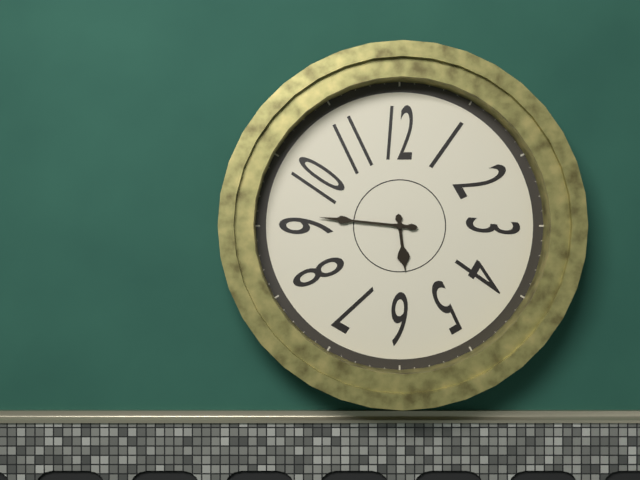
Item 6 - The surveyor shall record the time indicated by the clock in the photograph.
5:46
